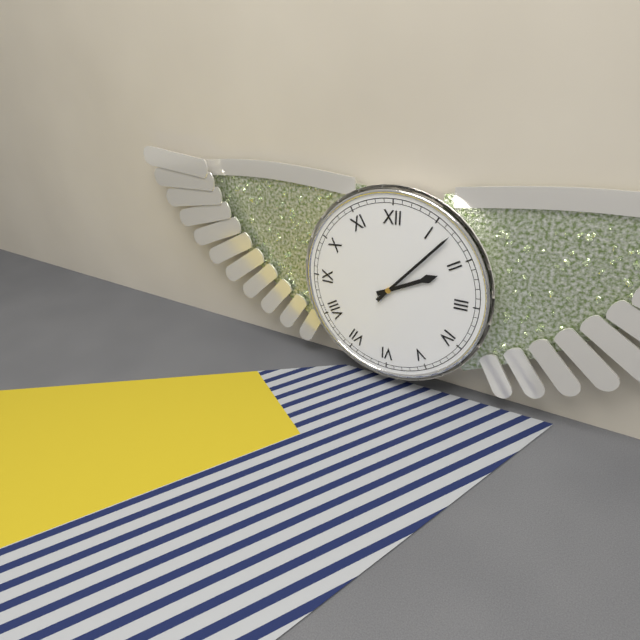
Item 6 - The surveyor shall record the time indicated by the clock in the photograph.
2:07
